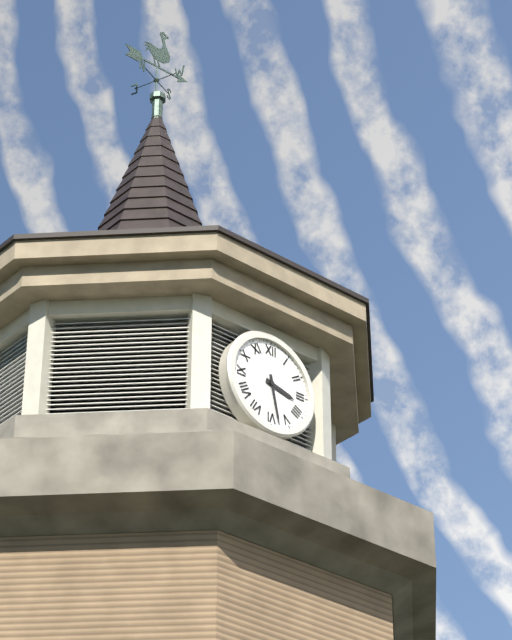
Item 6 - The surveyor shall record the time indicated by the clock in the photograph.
3:28
